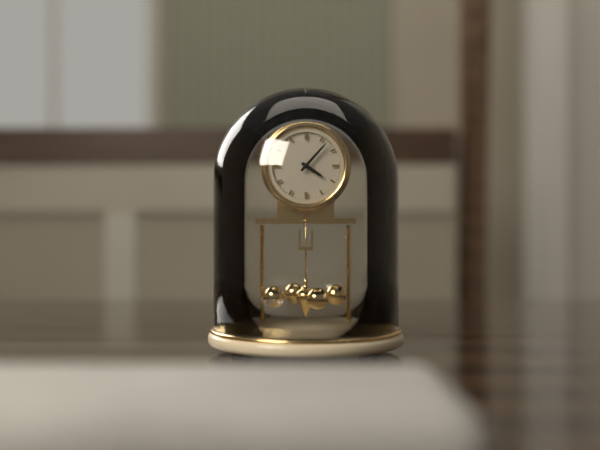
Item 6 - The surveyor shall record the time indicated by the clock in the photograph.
4:07
